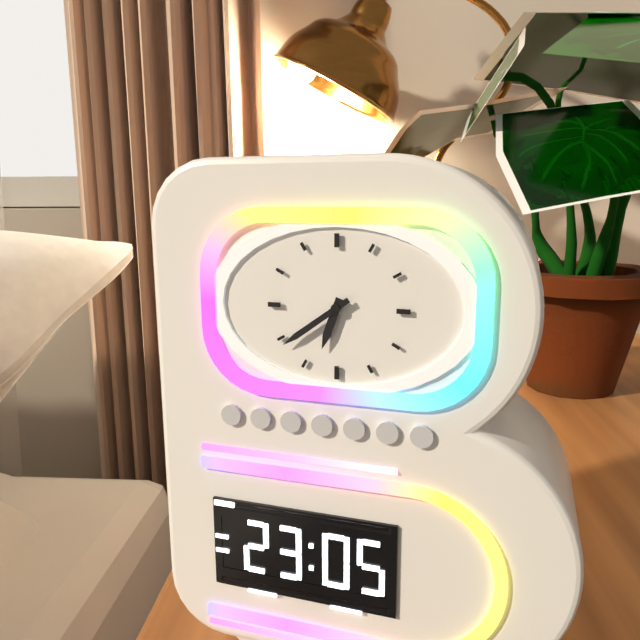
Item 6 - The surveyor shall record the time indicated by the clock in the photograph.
6:39
